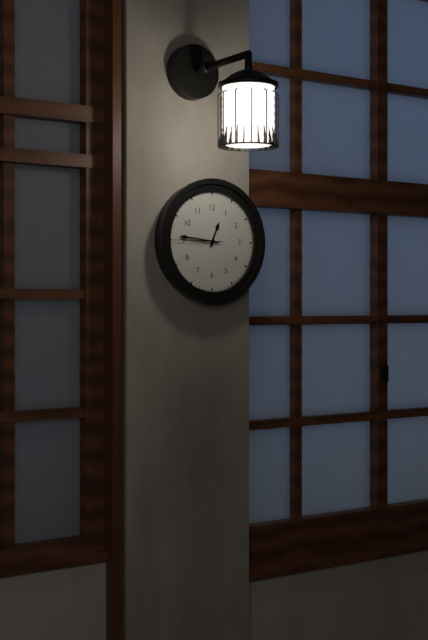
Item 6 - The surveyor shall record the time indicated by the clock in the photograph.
12:46
